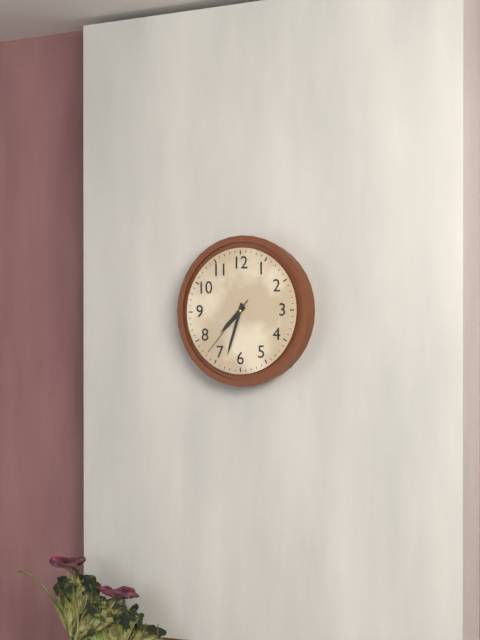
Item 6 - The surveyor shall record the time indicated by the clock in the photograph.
7:33:37
